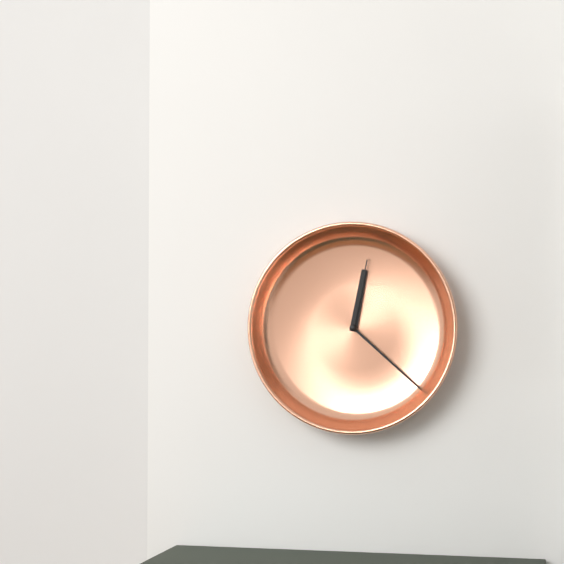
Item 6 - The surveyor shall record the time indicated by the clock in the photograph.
12:22:02
